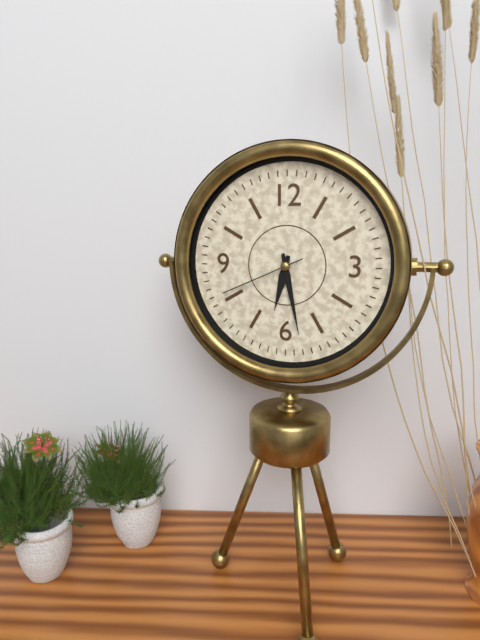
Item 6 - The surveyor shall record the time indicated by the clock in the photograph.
6:28:41
